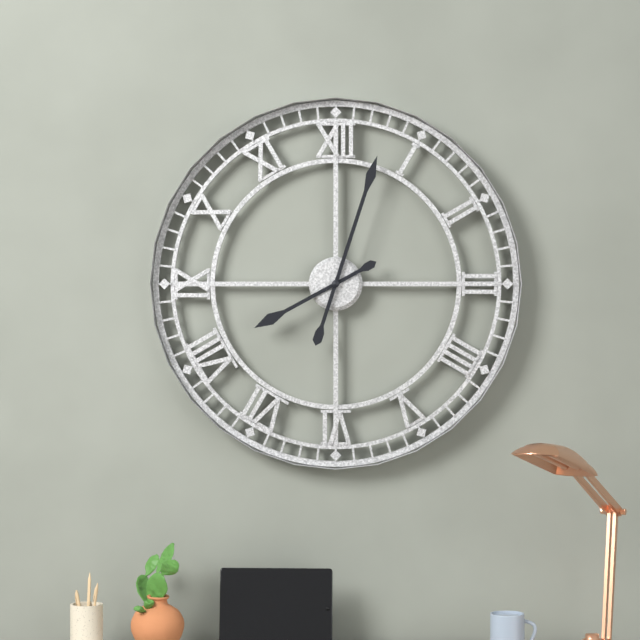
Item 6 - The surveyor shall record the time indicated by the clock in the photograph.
8:03
